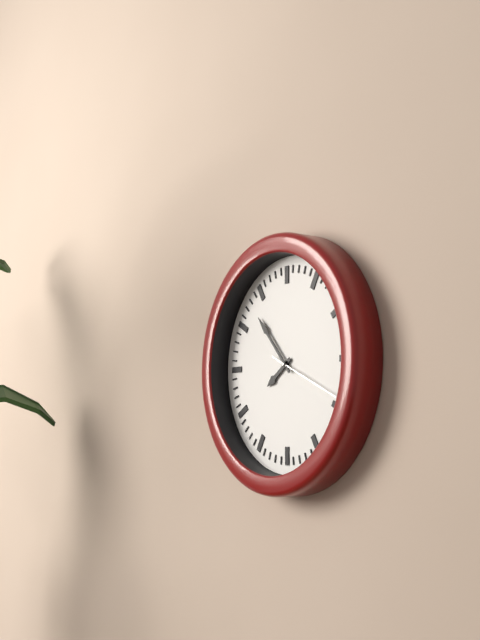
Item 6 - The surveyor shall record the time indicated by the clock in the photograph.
7:53:19
